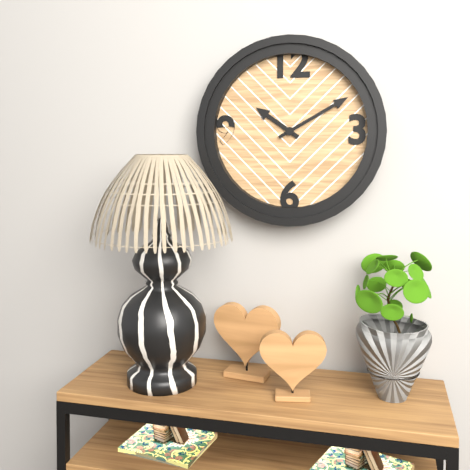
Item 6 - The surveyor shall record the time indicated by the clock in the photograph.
10:10
